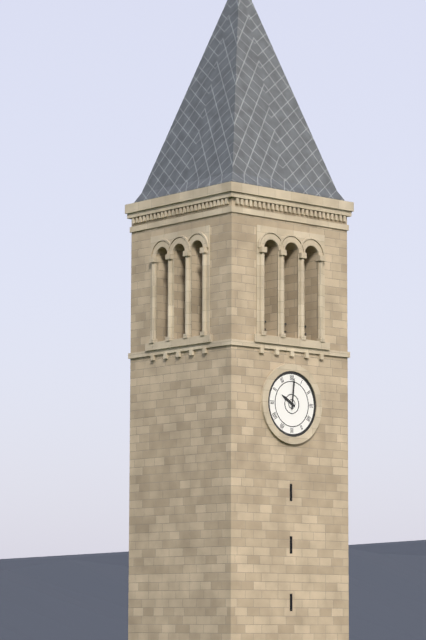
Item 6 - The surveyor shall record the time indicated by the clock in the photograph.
10:01
